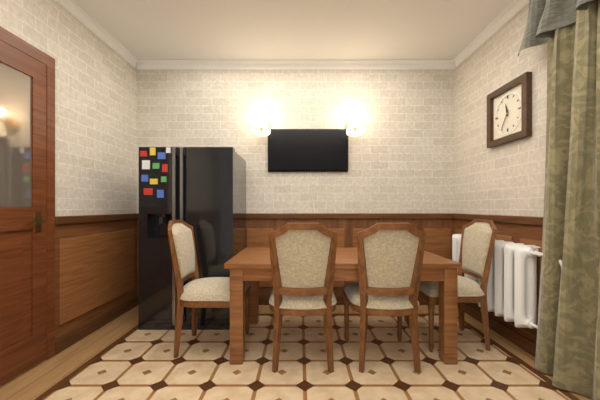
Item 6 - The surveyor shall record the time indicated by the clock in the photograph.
11:35
